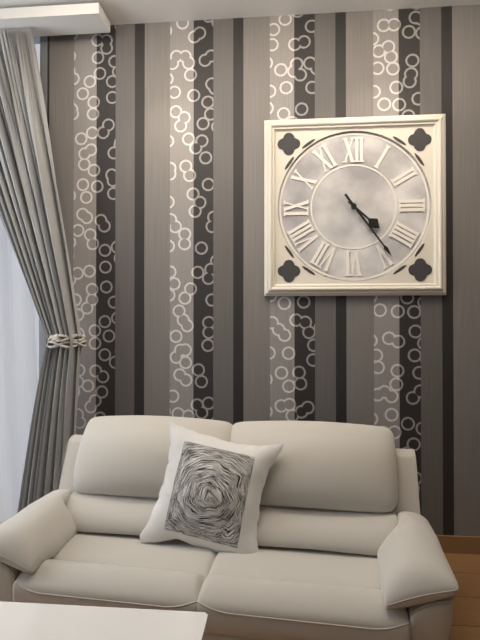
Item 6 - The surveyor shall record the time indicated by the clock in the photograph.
4:24
